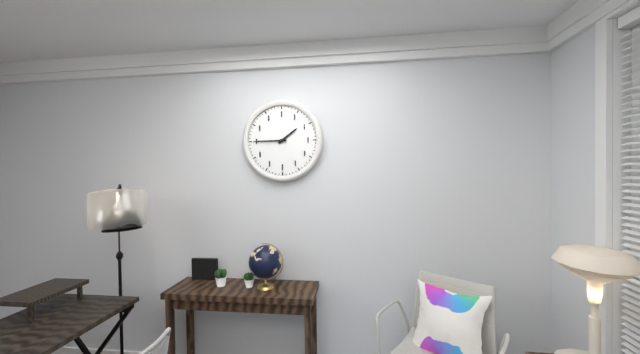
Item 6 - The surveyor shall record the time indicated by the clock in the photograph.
1:45
